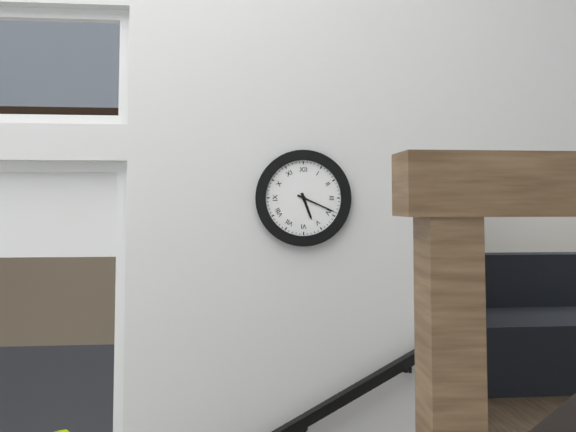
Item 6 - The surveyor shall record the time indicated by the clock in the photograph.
5:19
